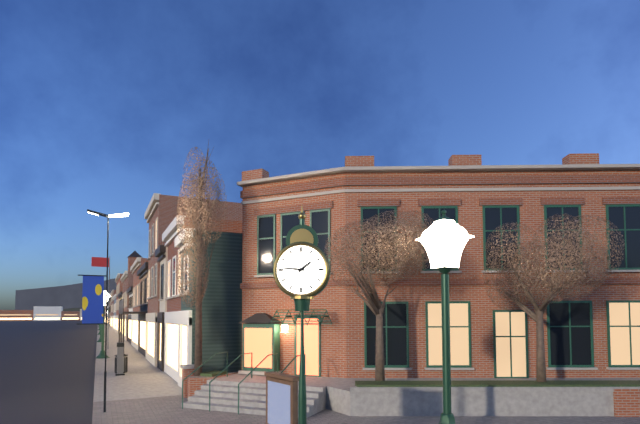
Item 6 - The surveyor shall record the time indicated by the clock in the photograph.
1:46
